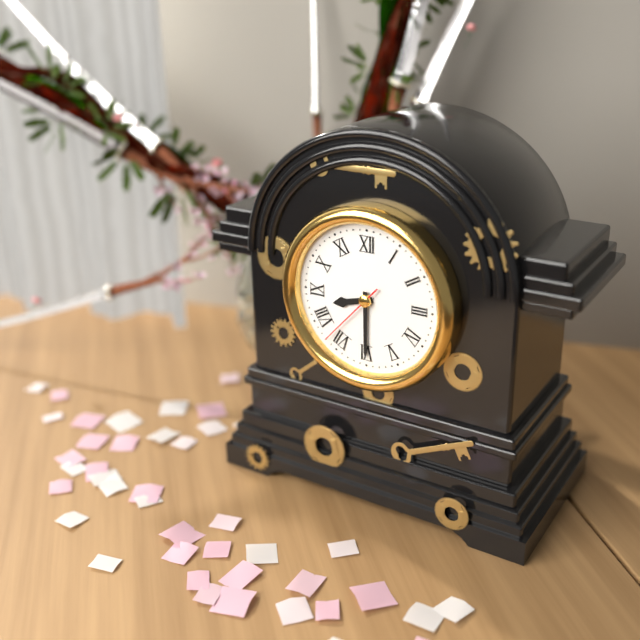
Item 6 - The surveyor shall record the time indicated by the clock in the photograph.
8:30:37
